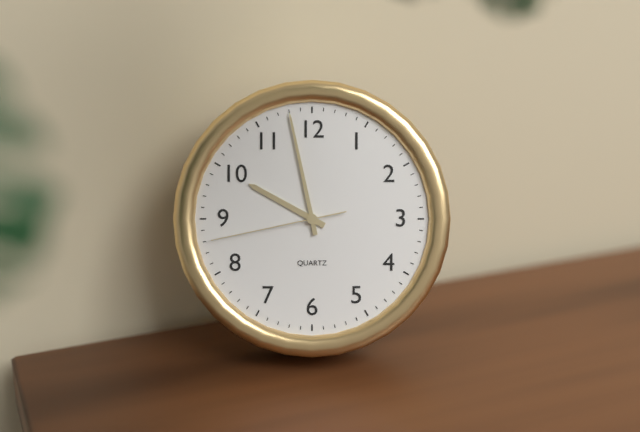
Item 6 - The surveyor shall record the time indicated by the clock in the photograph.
9:58:43
